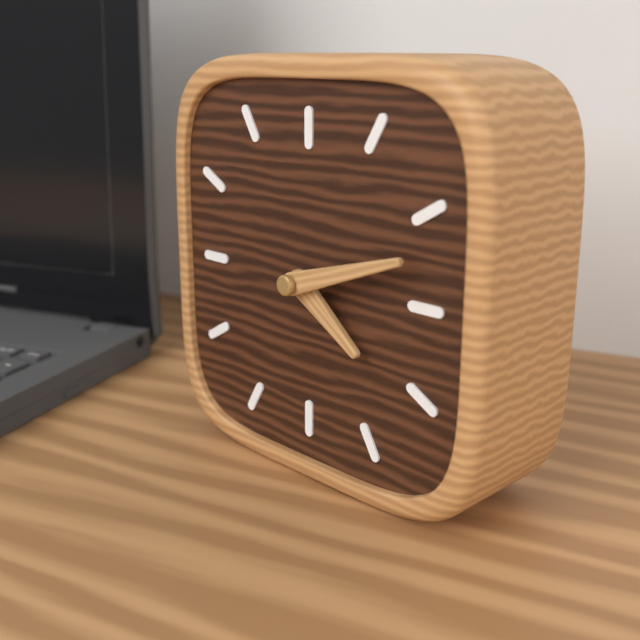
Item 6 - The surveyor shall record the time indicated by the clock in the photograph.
4:12
